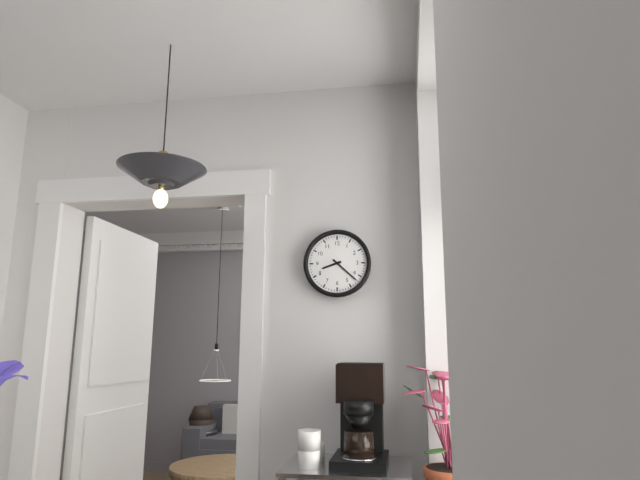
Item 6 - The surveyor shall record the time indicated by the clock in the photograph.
8:22
